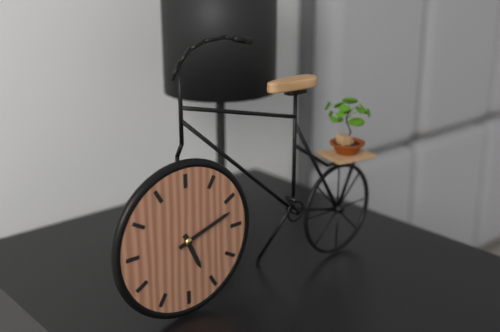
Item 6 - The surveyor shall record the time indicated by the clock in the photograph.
5:12
